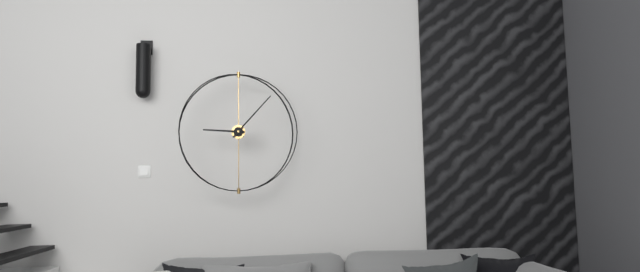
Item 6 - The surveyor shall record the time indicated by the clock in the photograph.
9:07
